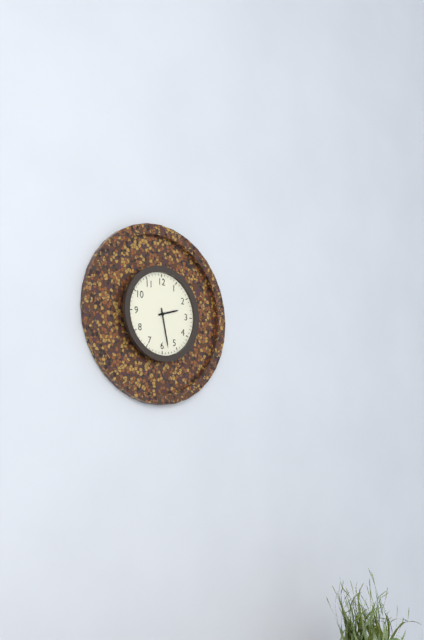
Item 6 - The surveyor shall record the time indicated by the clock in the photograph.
2:28
